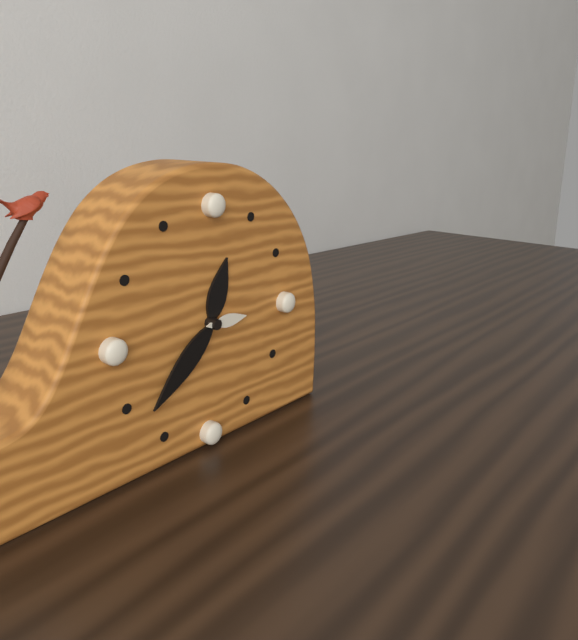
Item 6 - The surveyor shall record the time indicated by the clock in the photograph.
12:38
